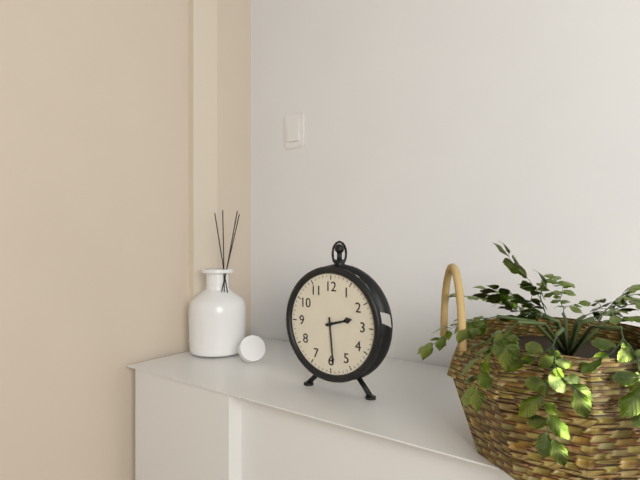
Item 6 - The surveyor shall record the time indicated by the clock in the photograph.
2:29
